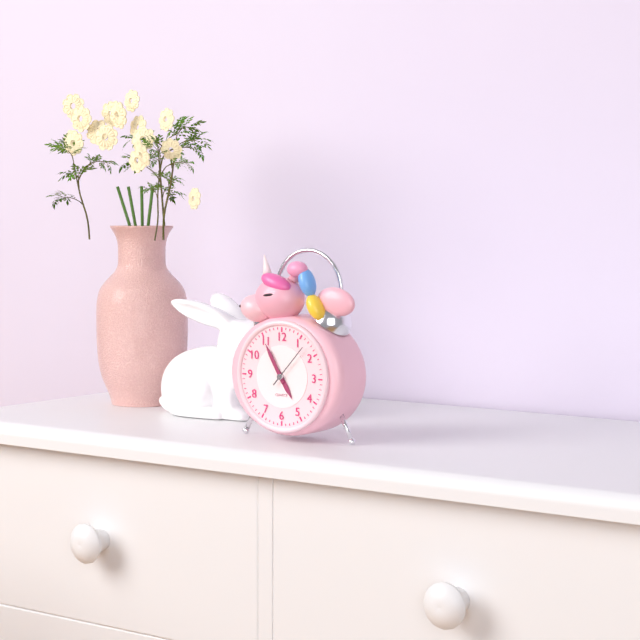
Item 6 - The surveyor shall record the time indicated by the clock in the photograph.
4:55
